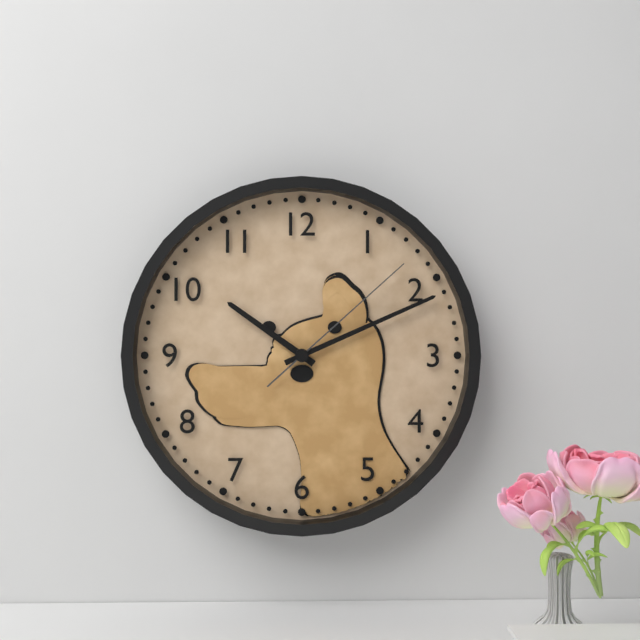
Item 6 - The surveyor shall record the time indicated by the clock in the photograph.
10:11:08
